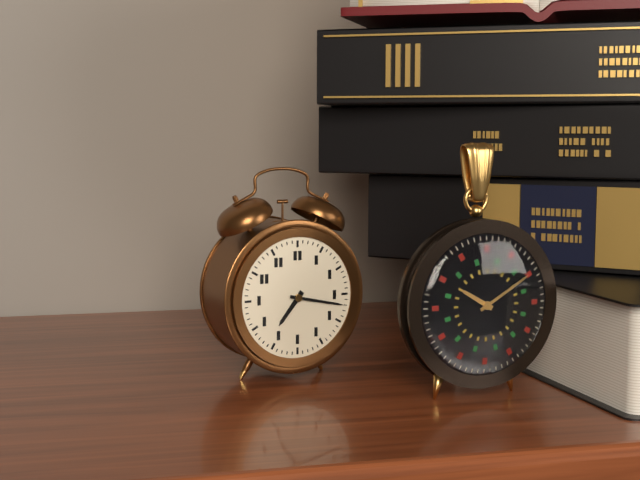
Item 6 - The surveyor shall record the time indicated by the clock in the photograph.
7:17
